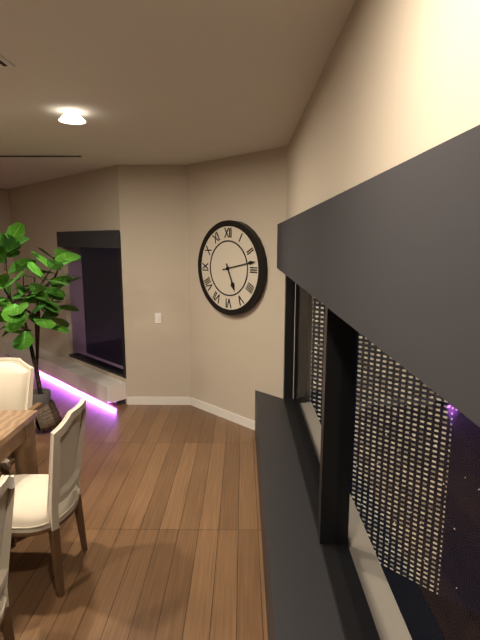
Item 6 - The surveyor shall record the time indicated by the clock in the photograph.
5:13
